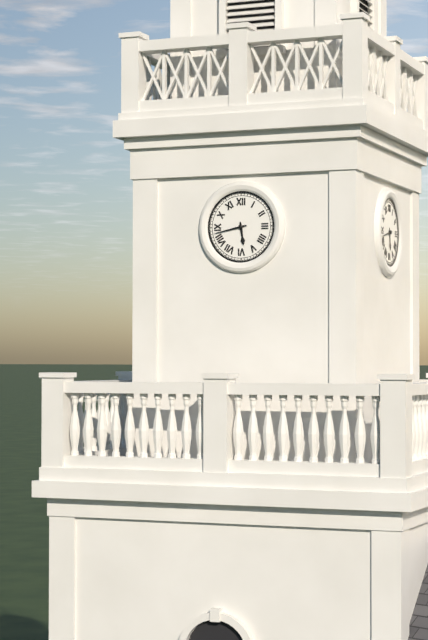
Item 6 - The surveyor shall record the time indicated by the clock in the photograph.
5:43
